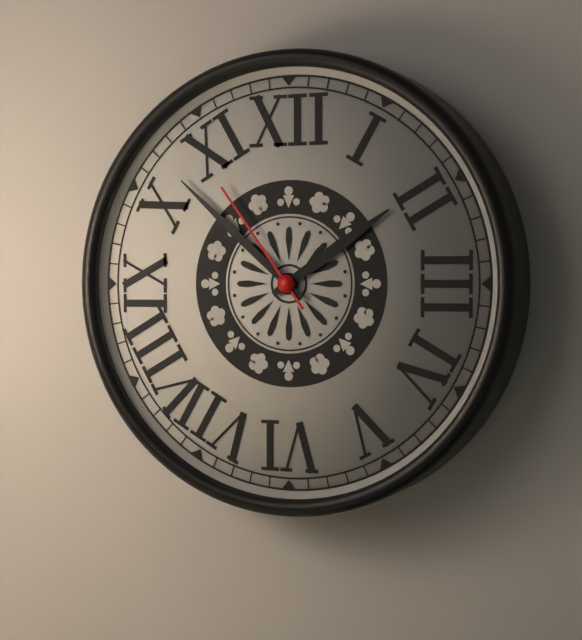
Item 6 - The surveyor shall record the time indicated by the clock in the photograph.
1:52:54
